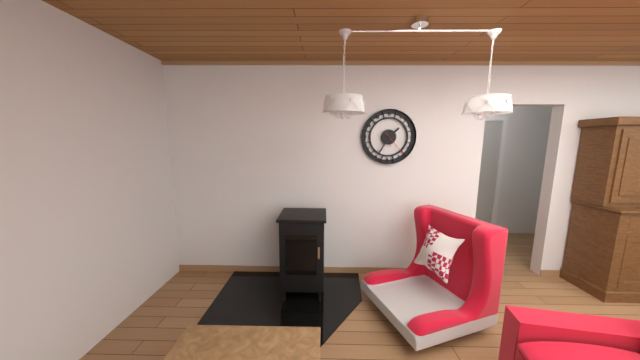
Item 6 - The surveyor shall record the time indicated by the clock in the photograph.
1:35
